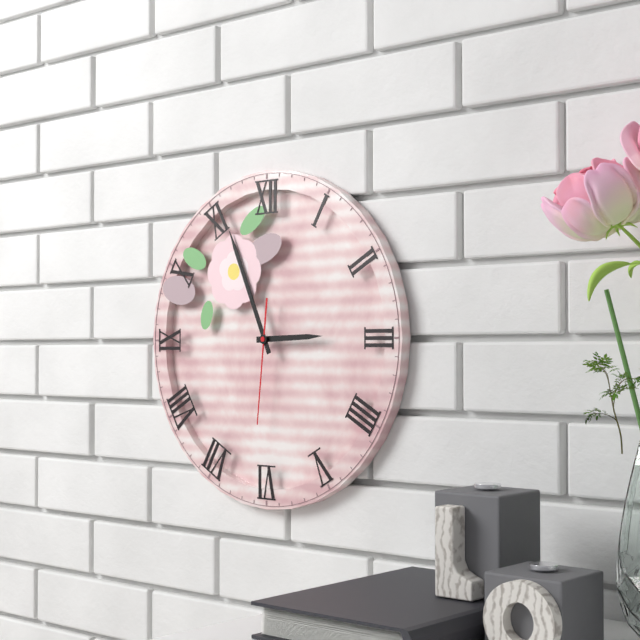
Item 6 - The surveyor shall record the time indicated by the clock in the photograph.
2:56:31
